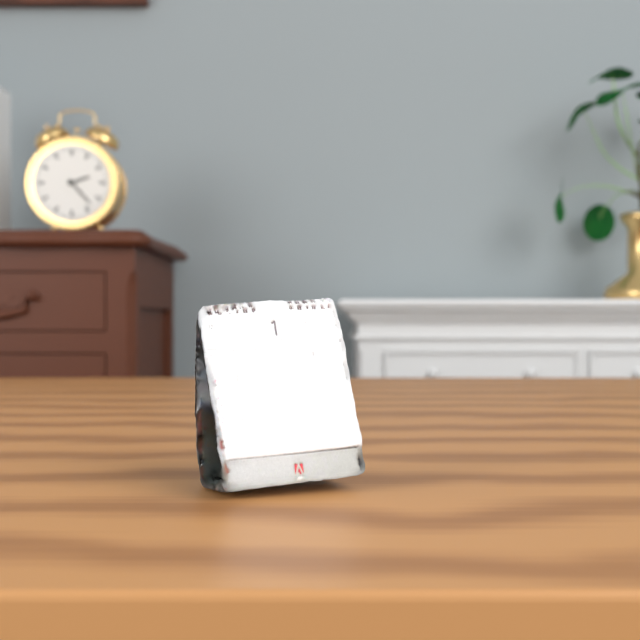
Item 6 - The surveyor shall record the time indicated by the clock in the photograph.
2:23
